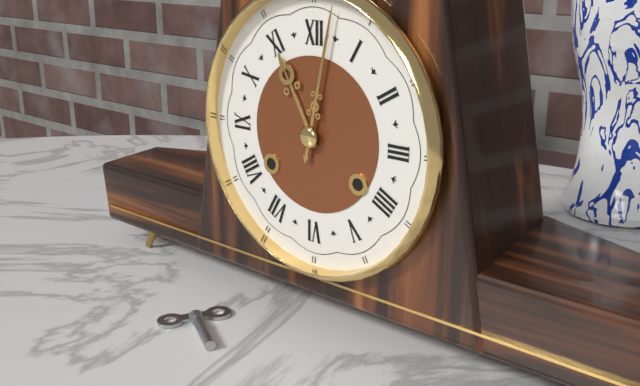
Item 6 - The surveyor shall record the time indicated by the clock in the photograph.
11:02
